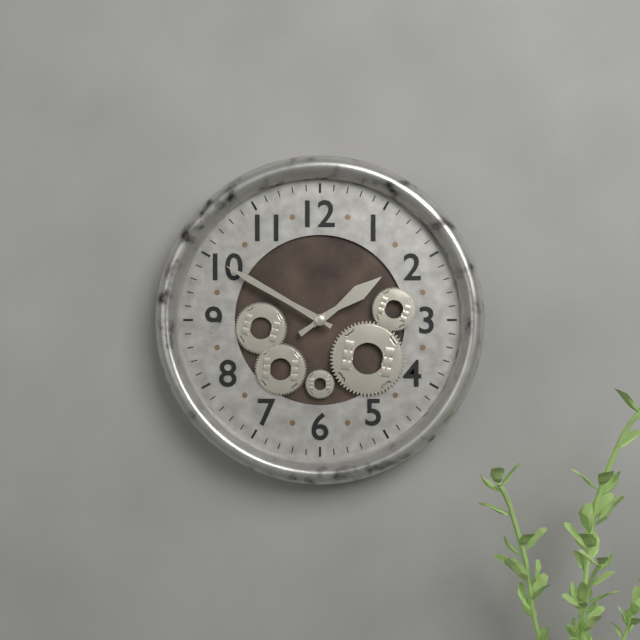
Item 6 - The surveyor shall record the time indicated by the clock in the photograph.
1:50
